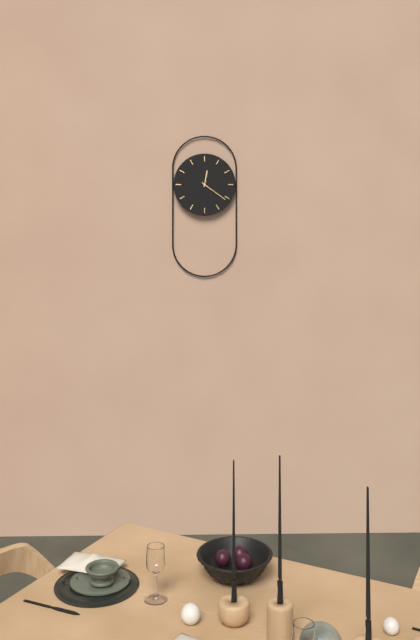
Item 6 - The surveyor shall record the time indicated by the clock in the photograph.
12:21
